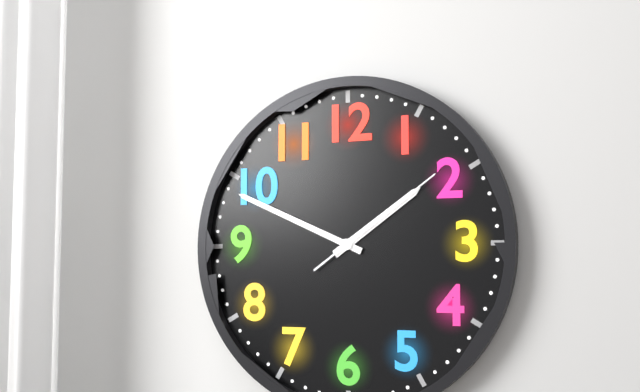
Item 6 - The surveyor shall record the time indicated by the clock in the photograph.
1:49:09
